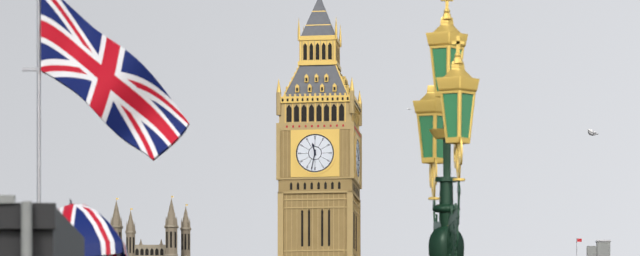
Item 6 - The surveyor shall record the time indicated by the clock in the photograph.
11:32
